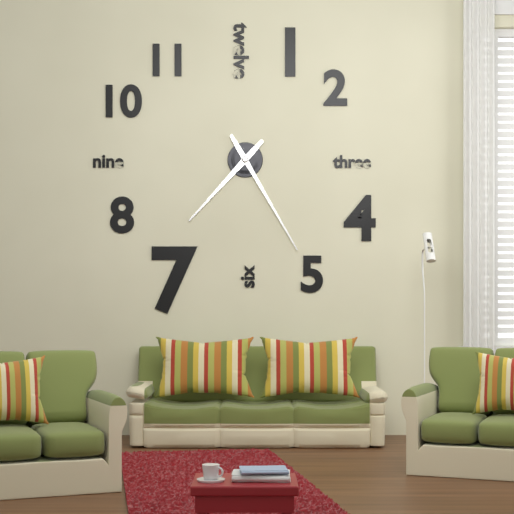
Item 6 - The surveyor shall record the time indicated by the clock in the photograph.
7:25
